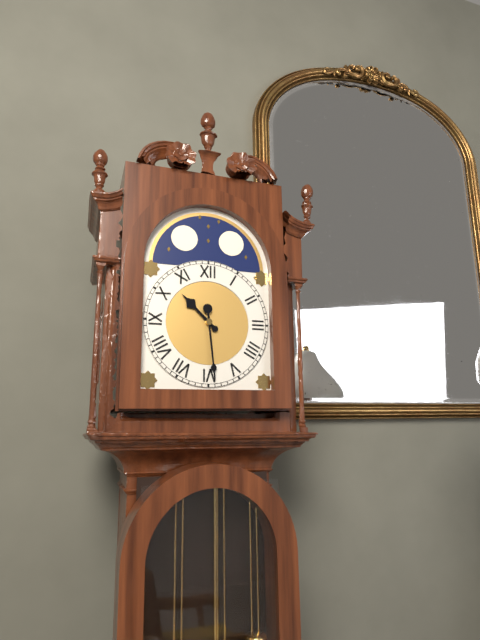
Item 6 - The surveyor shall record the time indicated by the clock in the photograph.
10:29
